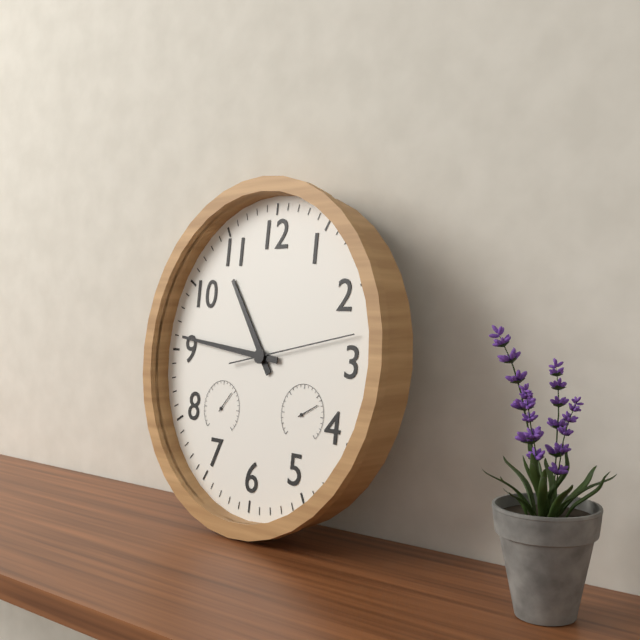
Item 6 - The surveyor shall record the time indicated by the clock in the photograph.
10:46:13
